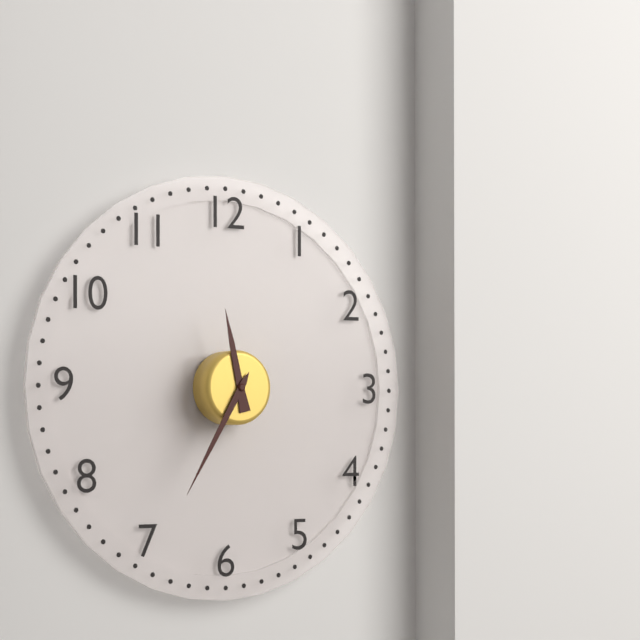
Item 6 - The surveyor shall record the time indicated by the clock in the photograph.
11:35
